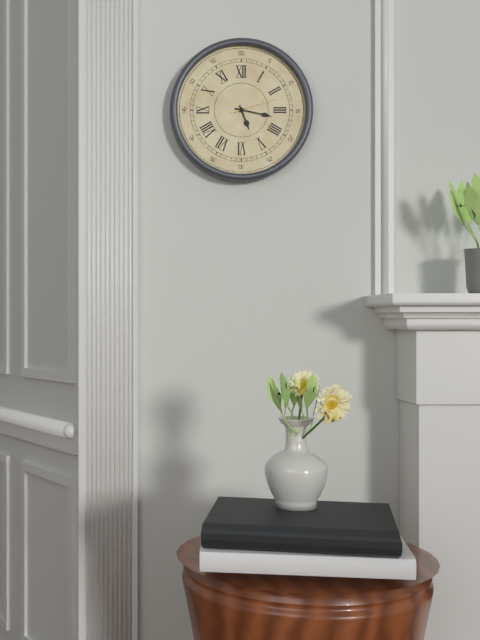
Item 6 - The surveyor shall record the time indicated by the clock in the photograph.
5:17
